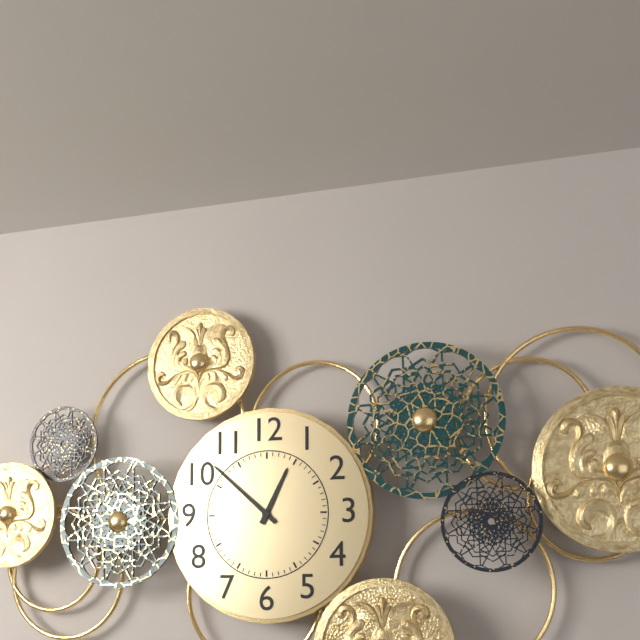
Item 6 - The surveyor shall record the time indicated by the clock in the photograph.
12:52
